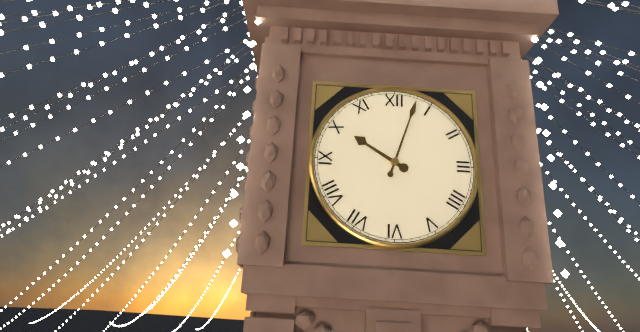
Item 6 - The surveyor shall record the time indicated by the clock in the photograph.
10:03
